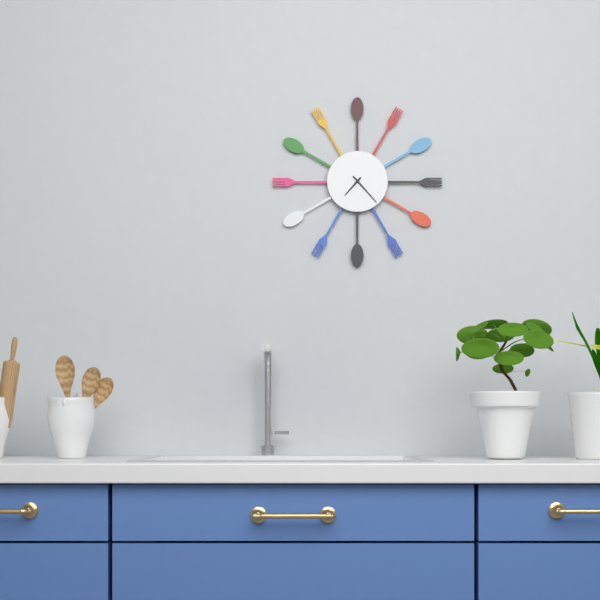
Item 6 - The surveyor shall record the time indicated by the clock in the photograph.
7:23
